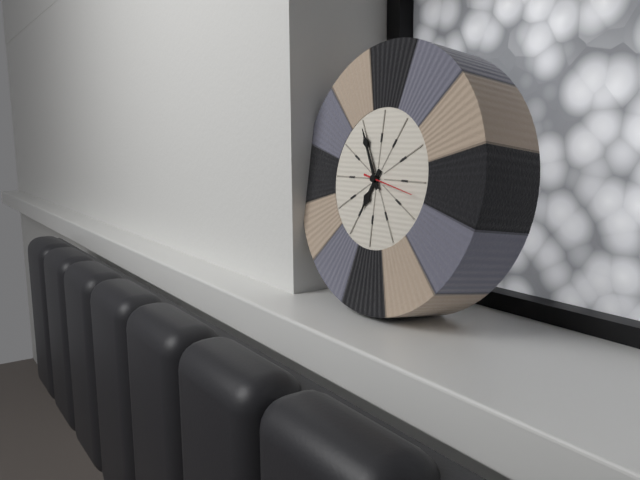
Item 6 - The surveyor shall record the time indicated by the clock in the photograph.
6:55
